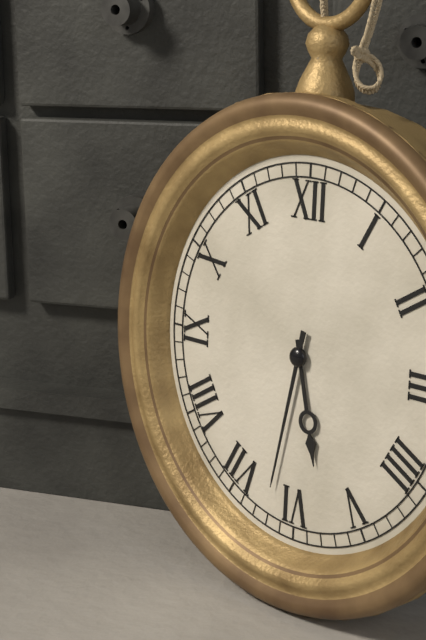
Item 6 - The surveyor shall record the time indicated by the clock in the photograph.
5:32
